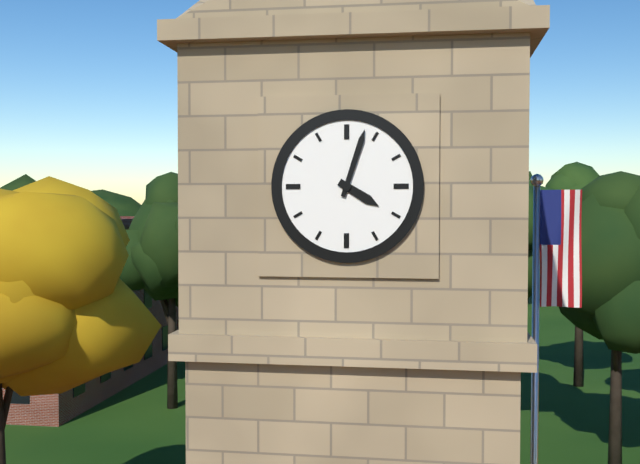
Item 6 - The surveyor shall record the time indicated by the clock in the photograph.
4:03
